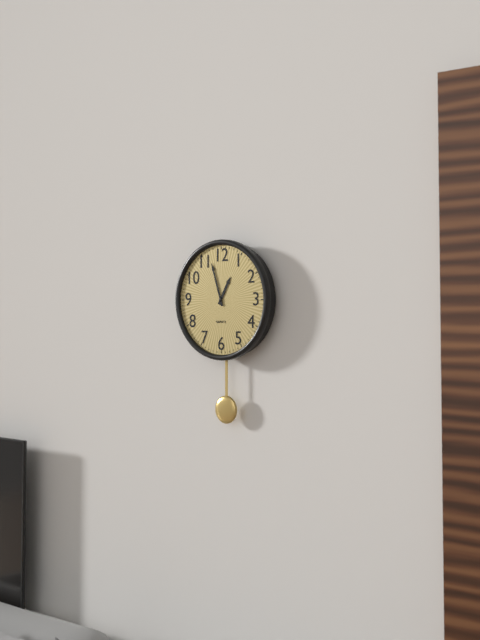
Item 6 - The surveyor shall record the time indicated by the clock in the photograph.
12:57
